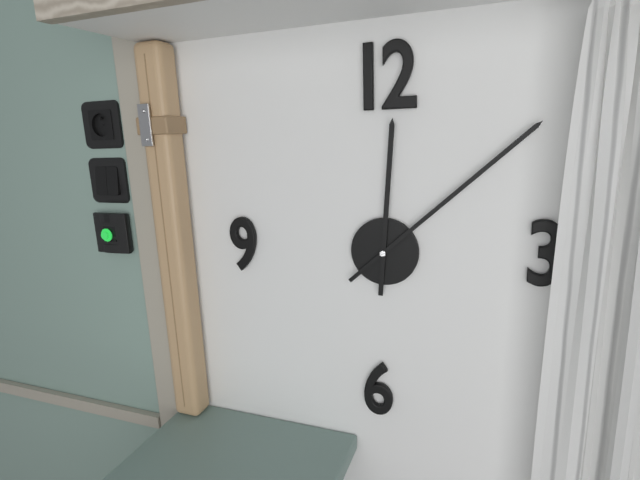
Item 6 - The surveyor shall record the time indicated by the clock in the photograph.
12:08
